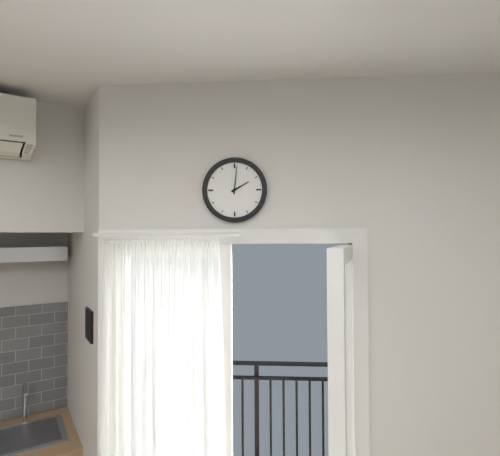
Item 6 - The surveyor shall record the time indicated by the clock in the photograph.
2:01
